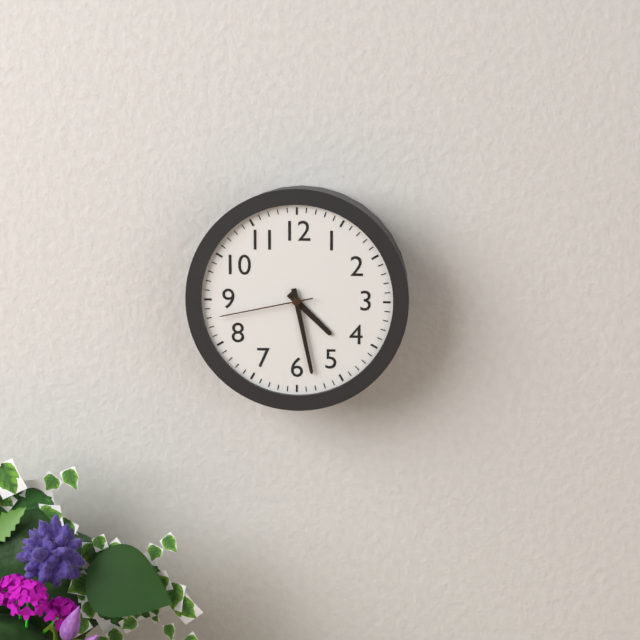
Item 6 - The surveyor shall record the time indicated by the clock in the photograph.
4:28:43
